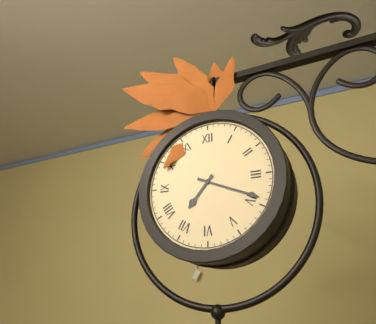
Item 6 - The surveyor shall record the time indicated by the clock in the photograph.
7:19
